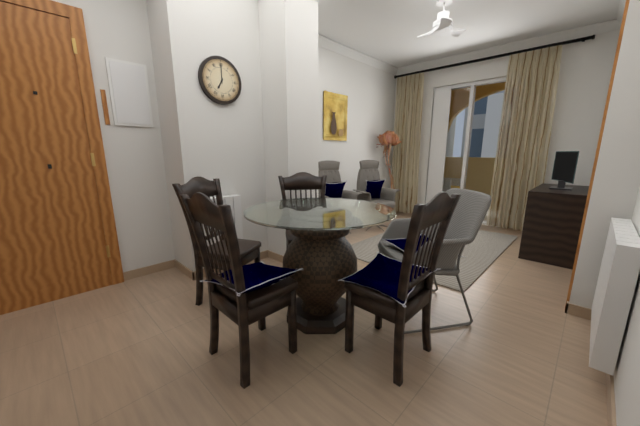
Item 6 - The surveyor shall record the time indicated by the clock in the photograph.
7:00
